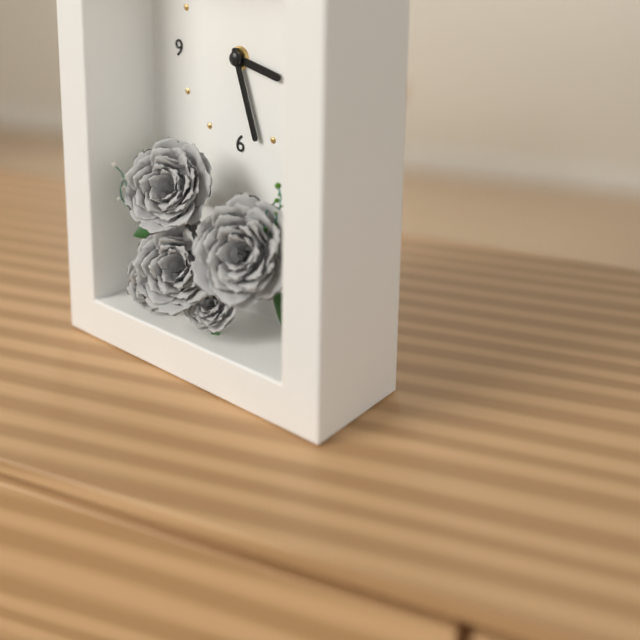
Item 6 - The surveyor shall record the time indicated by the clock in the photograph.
3:27
